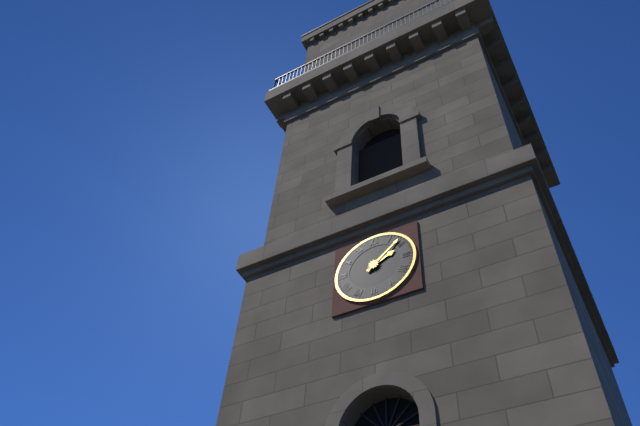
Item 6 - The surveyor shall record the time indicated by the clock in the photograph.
2:08
